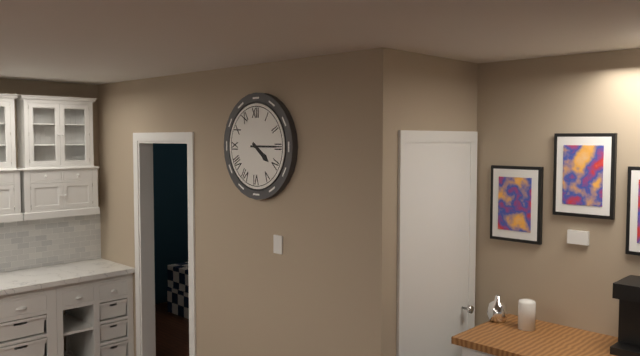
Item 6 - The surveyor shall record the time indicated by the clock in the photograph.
4:15
